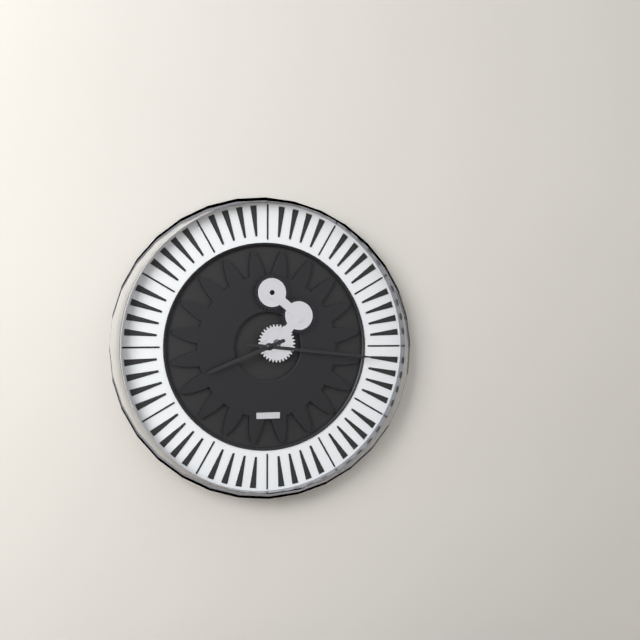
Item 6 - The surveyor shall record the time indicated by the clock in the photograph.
8:16
